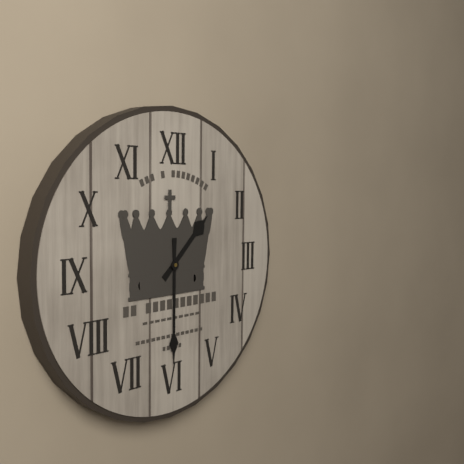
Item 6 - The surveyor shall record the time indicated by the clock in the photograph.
1:30
